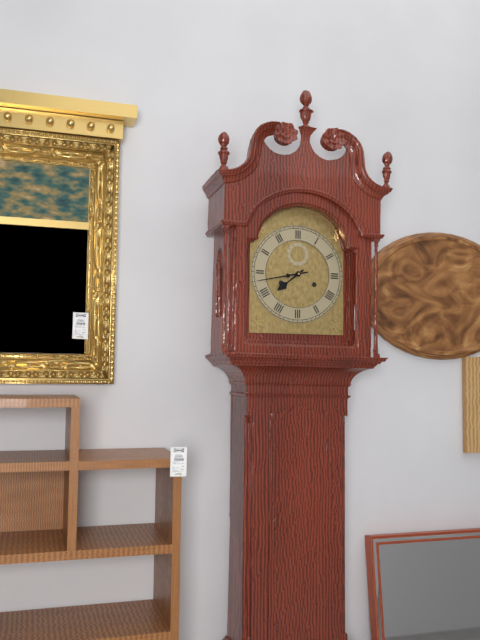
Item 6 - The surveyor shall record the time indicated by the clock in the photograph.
7:43
